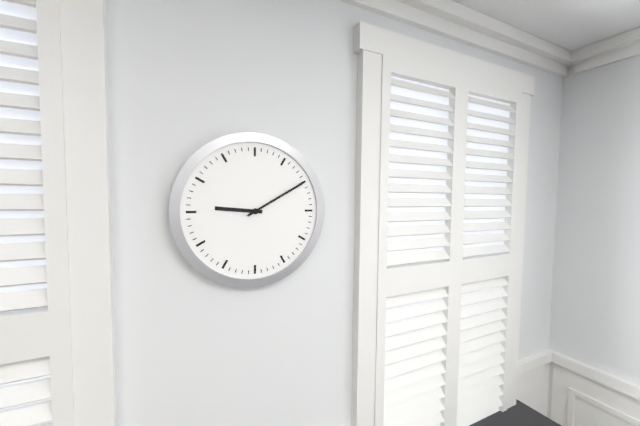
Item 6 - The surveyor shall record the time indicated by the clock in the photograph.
9:10
